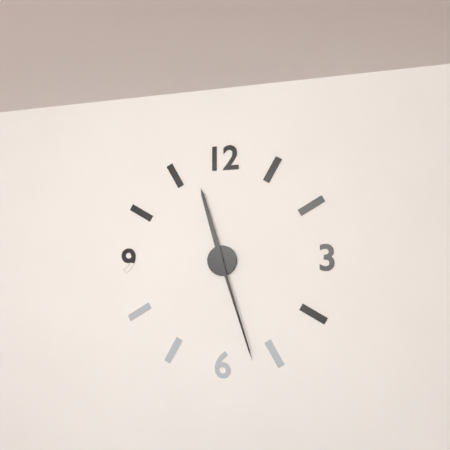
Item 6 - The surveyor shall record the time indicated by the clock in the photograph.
11:27
